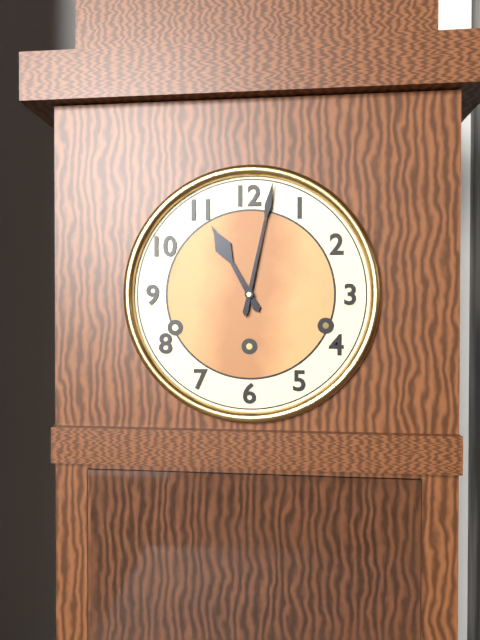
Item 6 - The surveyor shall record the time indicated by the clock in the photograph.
11:02
